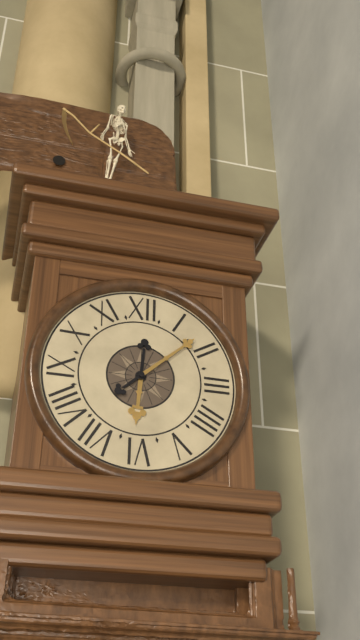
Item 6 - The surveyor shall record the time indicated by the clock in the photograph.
6:08
